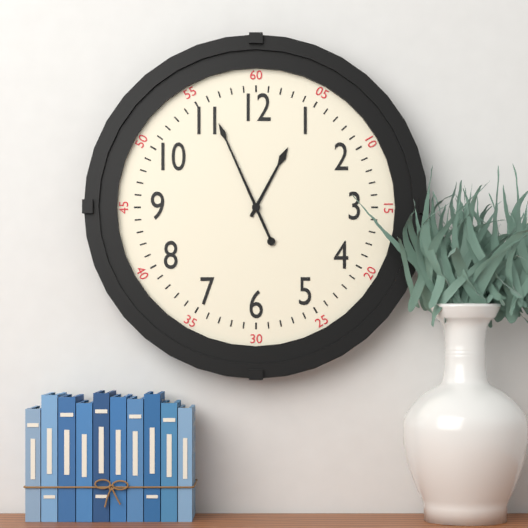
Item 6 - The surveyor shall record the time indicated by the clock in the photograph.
12:56
